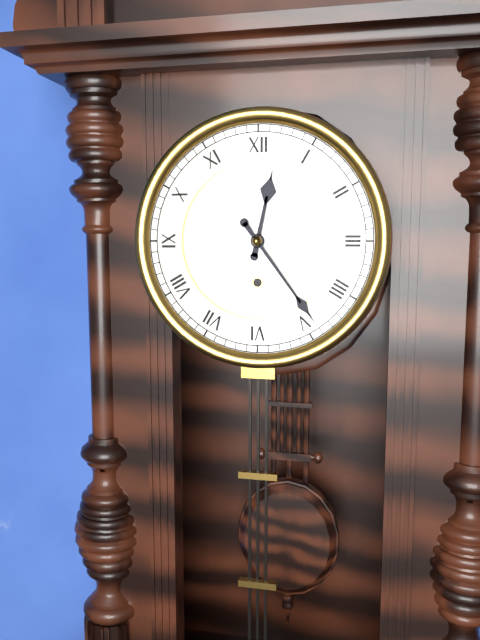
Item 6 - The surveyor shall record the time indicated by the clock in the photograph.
12:24
